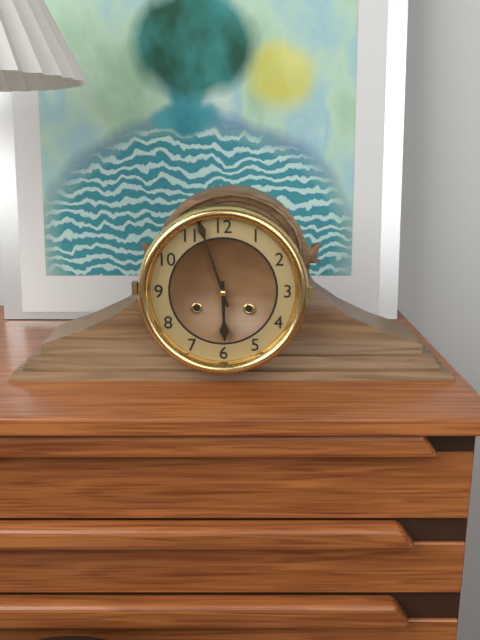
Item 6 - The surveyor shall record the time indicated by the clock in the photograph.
5:57
